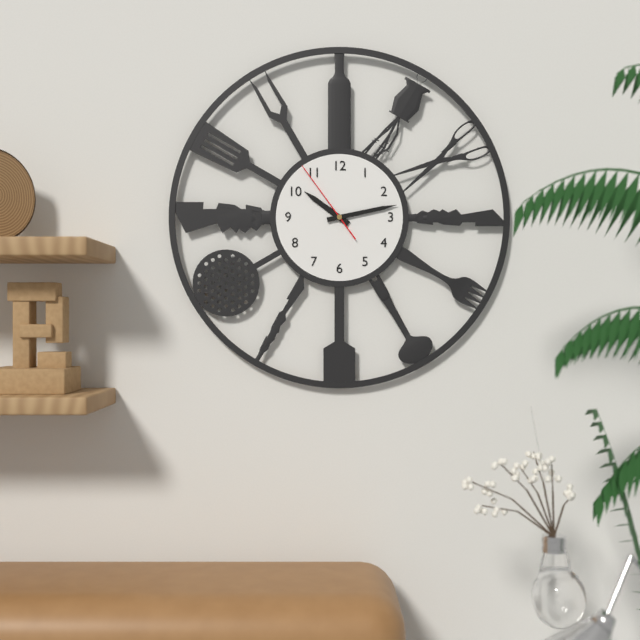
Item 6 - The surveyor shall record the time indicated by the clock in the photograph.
10:13:54
